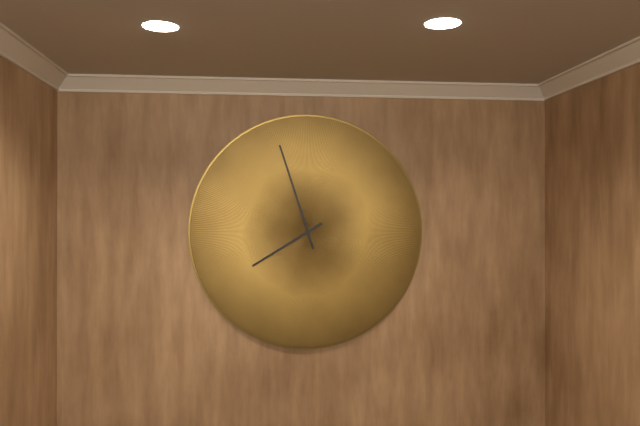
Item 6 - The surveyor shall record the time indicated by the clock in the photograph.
7:57
